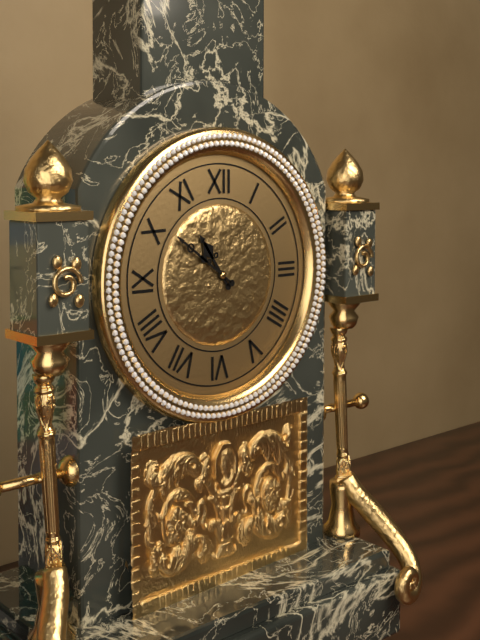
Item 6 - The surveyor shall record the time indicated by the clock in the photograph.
10:51
